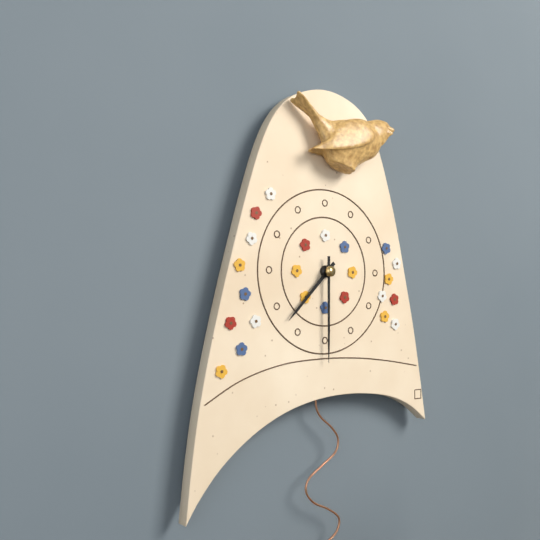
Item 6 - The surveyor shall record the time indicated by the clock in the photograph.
7:30
